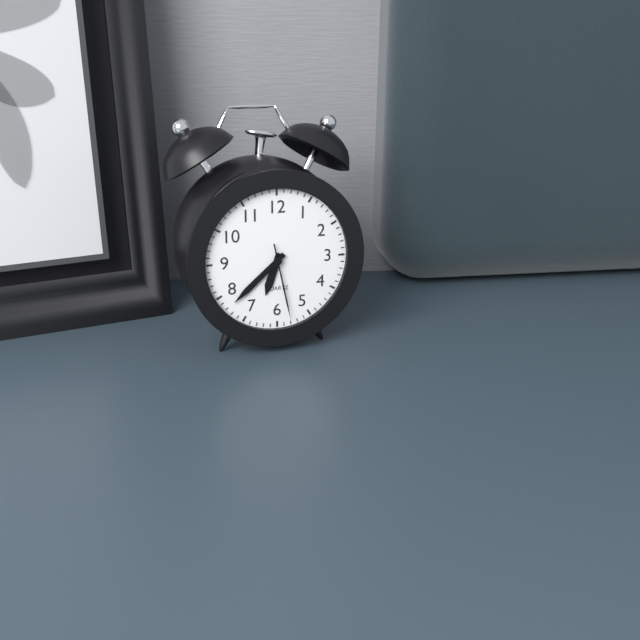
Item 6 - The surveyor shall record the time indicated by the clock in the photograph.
6:38:28
